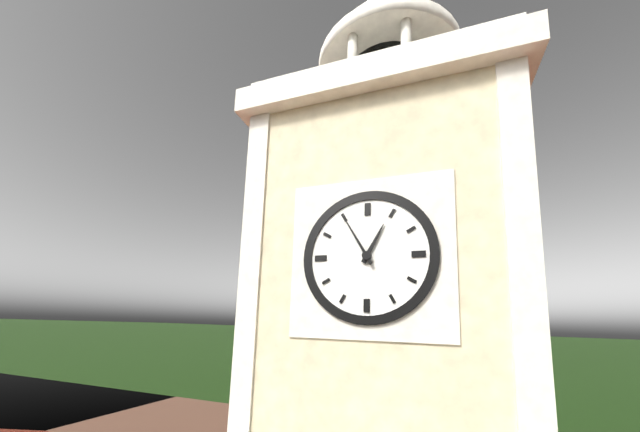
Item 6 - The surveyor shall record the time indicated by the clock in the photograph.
12:55
